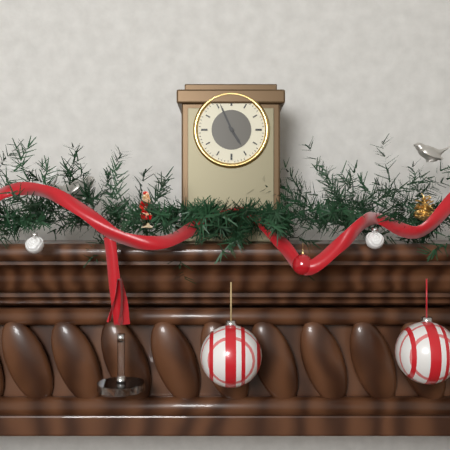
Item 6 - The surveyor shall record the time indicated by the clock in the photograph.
4:56
